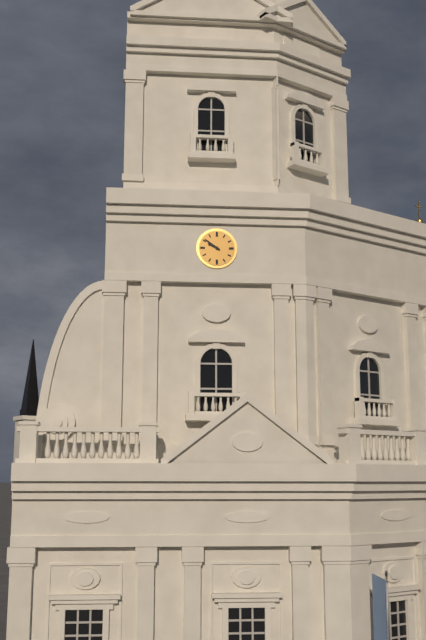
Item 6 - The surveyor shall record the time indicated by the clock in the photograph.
9:51
